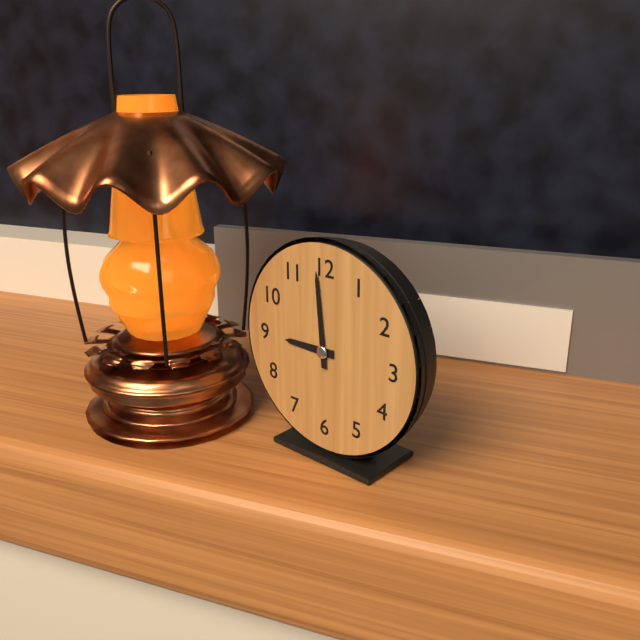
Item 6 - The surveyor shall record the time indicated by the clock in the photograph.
8:59
